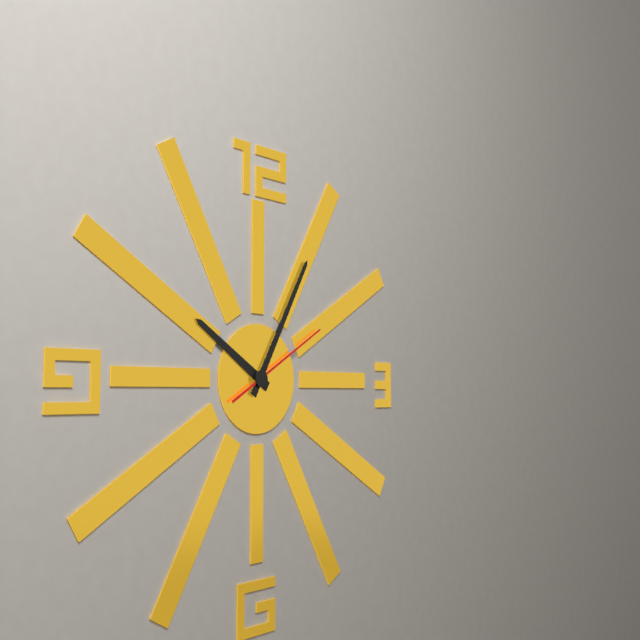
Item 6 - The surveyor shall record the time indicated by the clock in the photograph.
10:05:10
